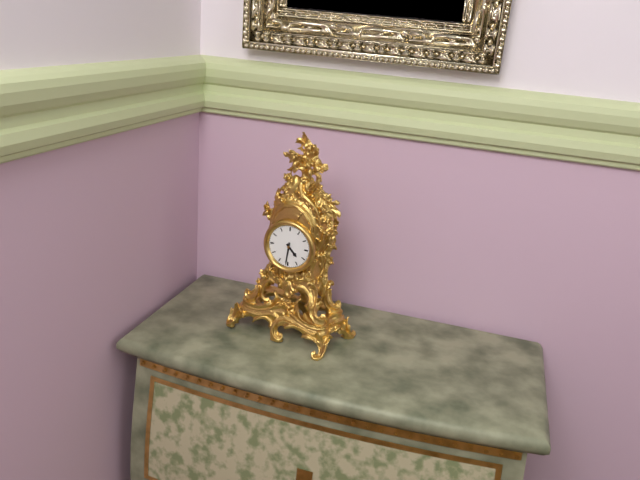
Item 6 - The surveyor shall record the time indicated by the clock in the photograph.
4:31
